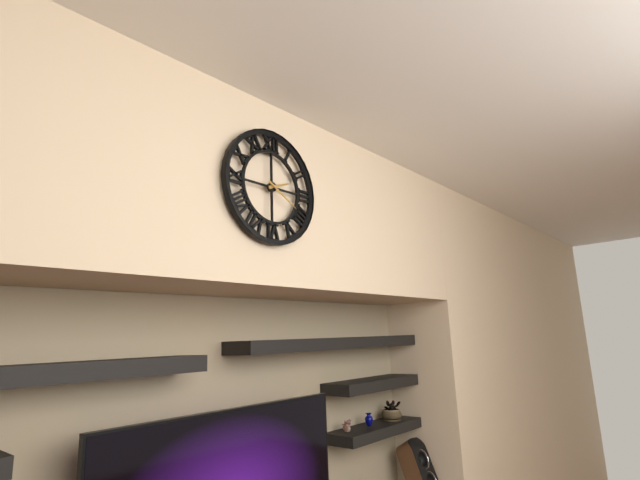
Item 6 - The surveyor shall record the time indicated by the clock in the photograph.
2:20
